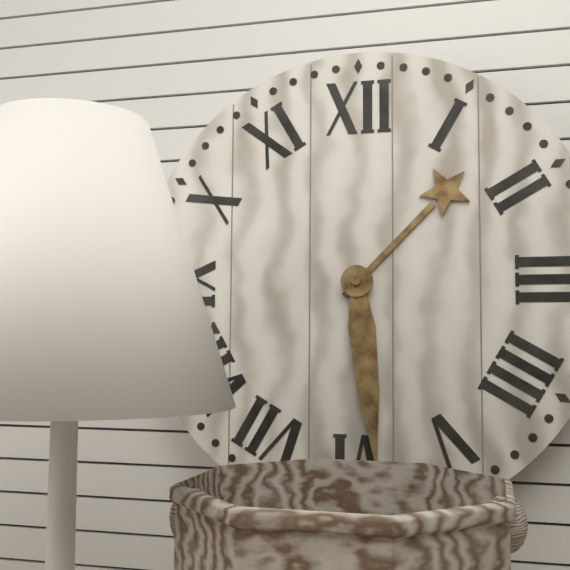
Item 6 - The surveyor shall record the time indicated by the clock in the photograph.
1:29
